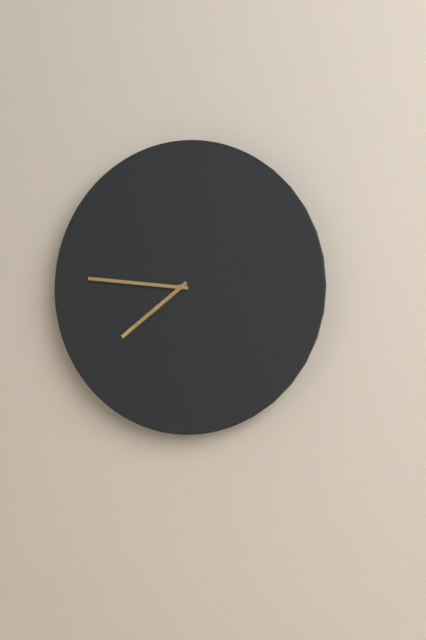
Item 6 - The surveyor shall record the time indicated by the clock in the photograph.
7:46
